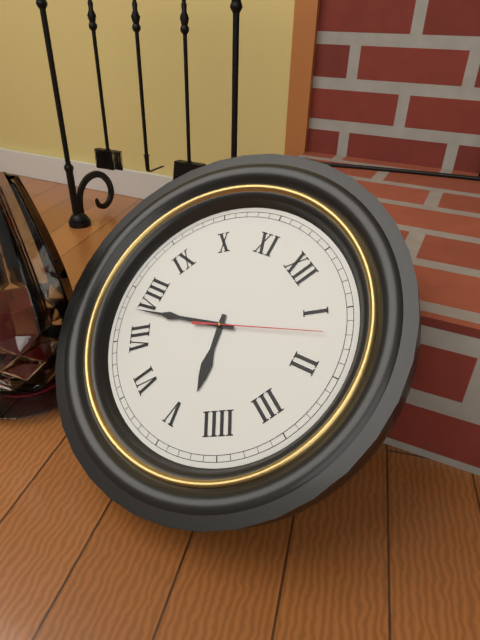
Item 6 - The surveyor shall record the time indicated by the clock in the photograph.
4:38:07
